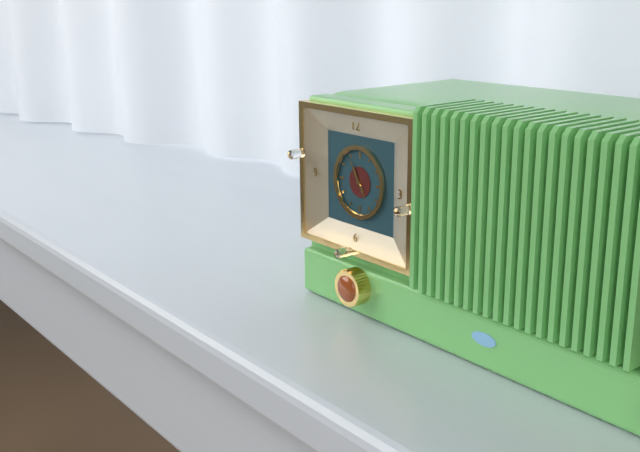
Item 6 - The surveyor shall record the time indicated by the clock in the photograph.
4:55
